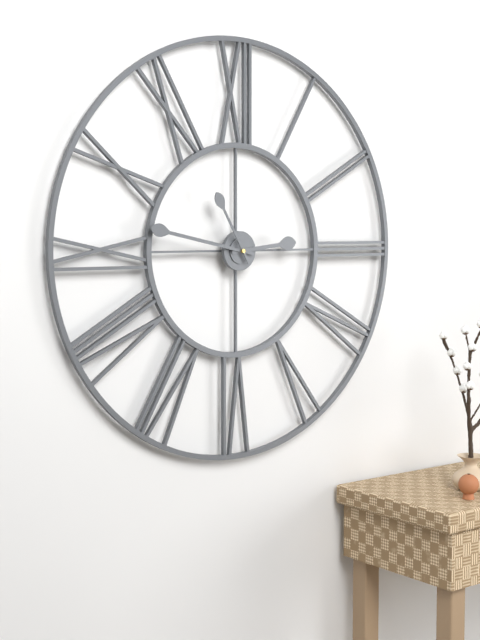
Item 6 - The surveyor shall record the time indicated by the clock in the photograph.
2:47:55
